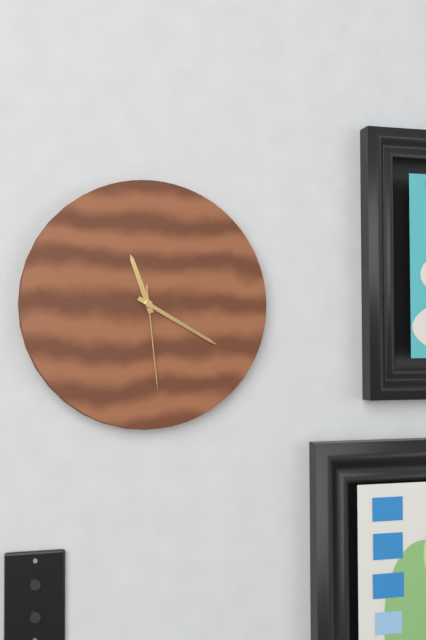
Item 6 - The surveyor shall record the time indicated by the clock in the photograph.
11:20:29
